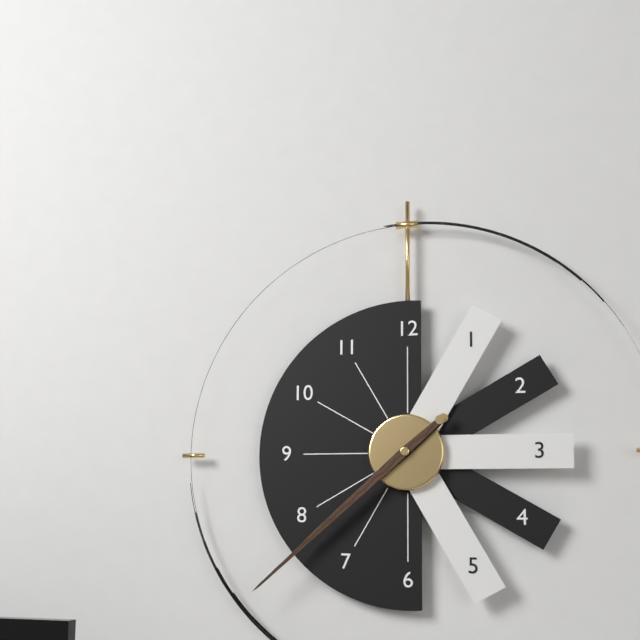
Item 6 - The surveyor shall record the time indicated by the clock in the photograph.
7:38
